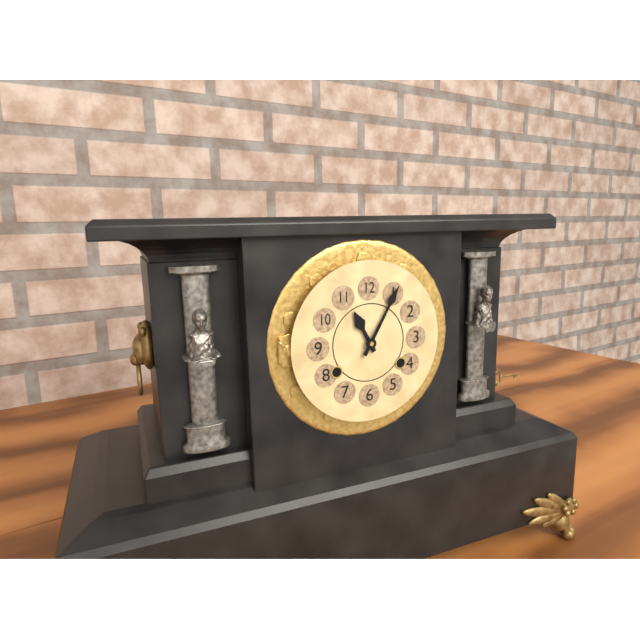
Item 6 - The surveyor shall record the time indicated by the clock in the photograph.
11:05
